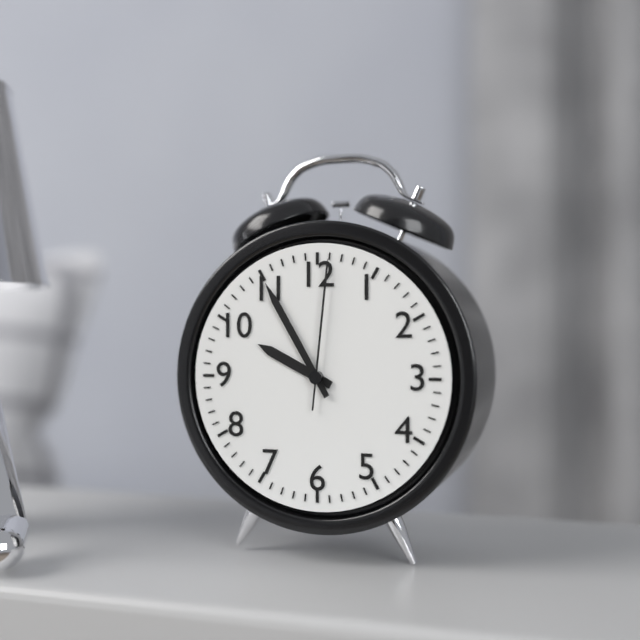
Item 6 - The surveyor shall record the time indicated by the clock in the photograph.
9:55:01
